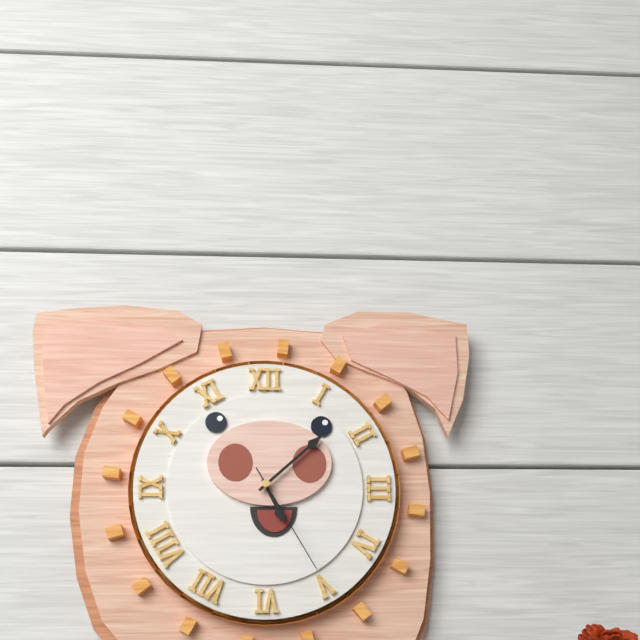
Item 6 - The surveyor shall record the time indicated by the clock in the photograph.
5:08:25
